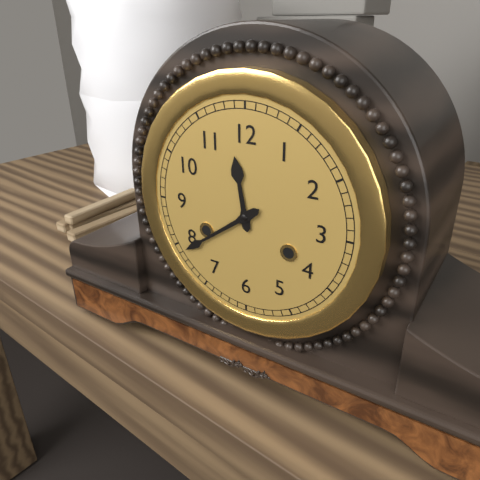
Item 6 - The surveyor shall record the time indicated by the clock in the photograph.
11:39
